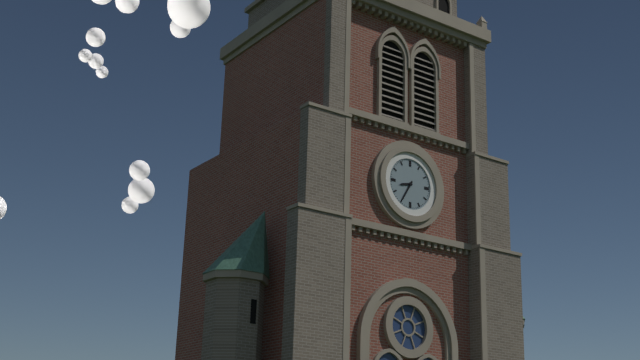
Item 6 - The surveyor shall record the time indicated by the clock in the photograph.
8:35
